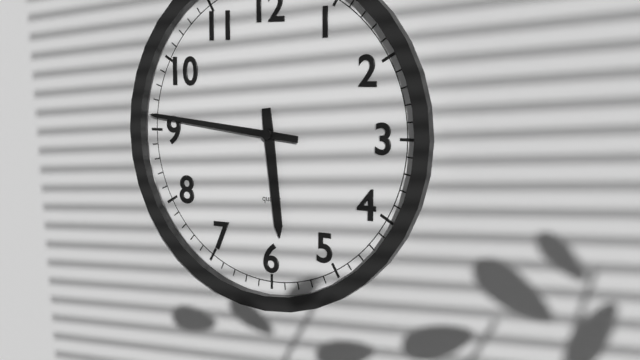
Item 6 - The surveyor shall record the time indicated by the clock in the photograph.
5:46
